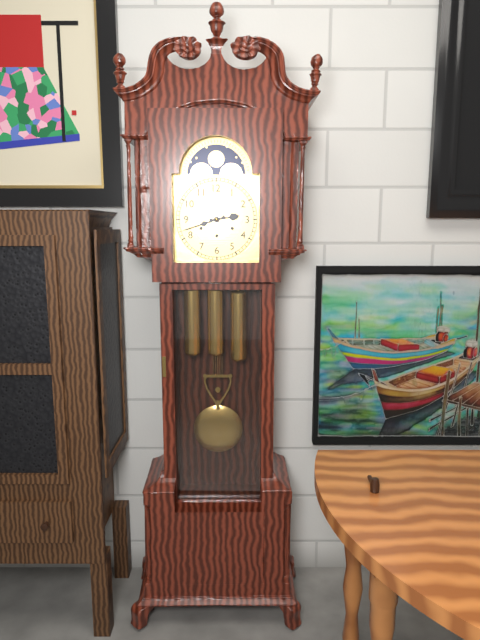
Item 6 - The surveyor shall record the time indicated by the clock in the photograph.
2:42
